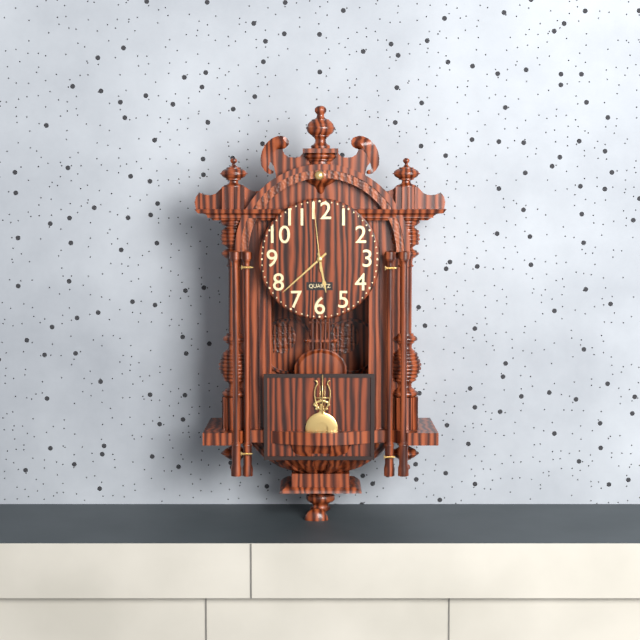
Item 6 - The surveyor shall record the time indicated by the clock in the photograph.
5:38:59
